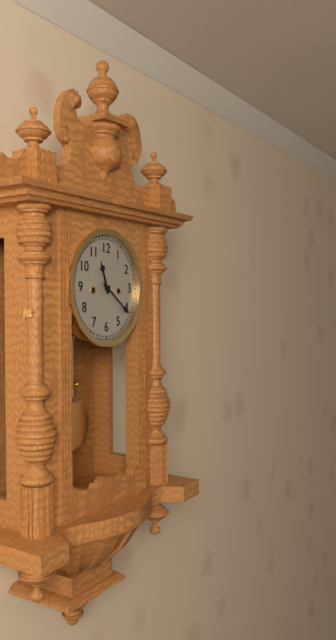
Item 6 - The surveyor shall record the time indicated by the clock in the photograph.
11:21
